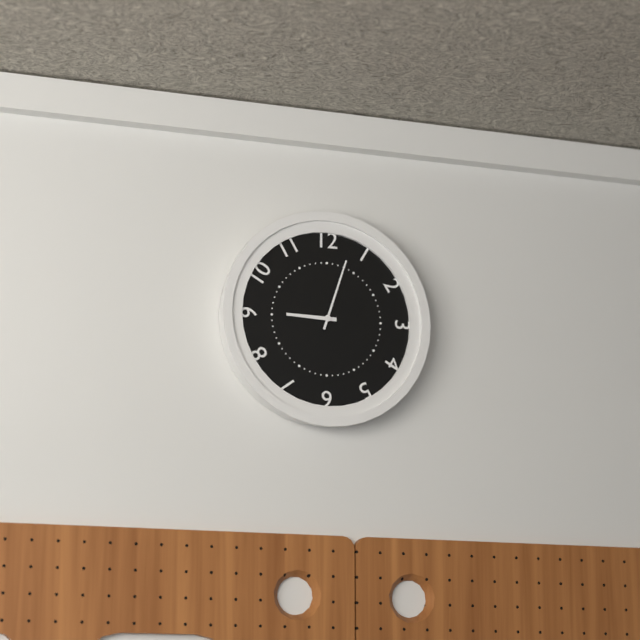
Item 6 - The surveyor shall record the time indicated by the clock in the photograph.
9:03
